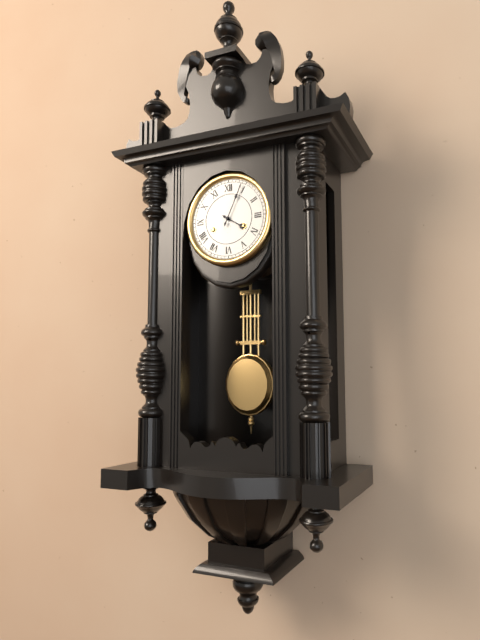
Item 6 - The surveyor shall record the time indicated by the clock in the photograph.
4:04
